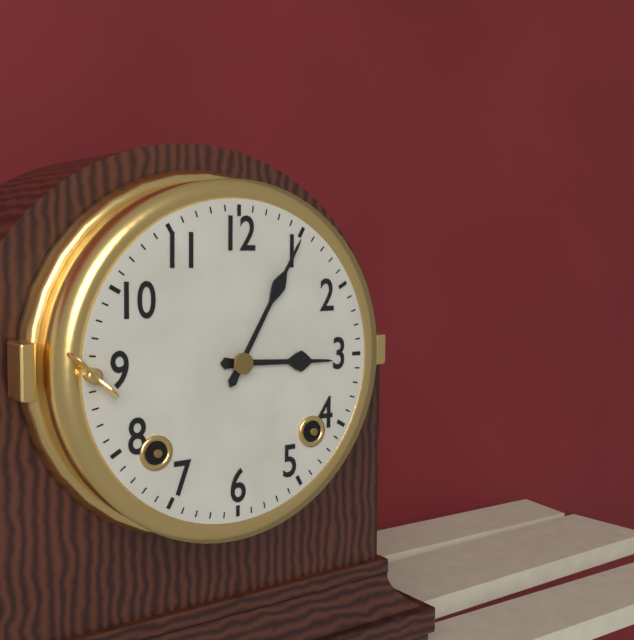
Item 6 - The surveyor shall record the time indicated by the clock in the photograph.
3:05
